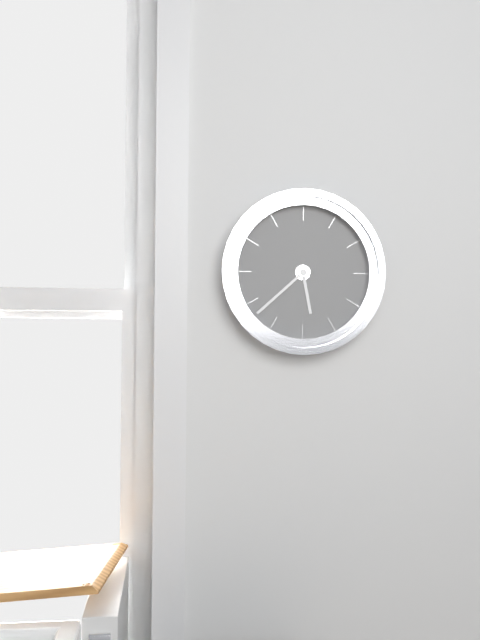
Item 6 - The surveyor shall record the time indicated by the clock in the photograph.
5:38
